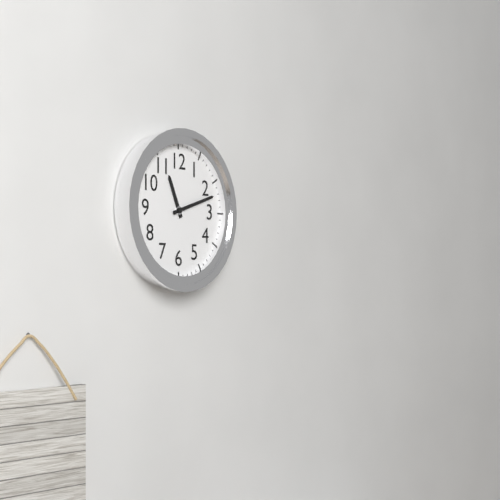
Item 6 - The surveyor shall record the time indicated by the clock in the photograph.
11:12
